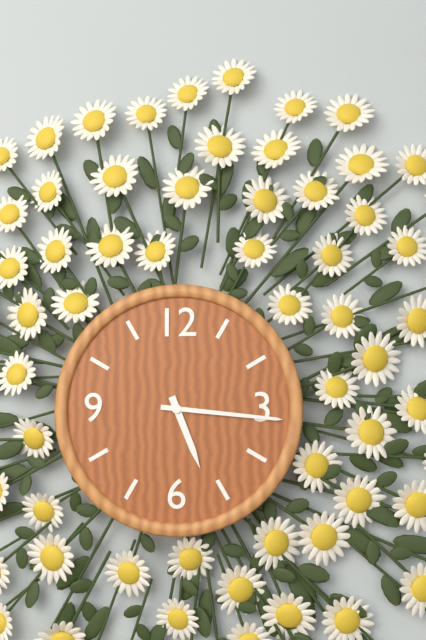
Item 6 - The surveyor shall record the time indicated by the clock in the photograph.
5:16
